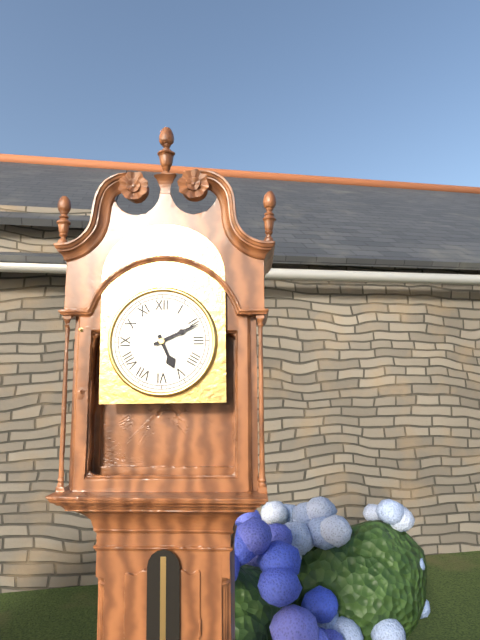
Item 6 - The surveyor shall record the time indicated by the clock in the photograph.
5:11
